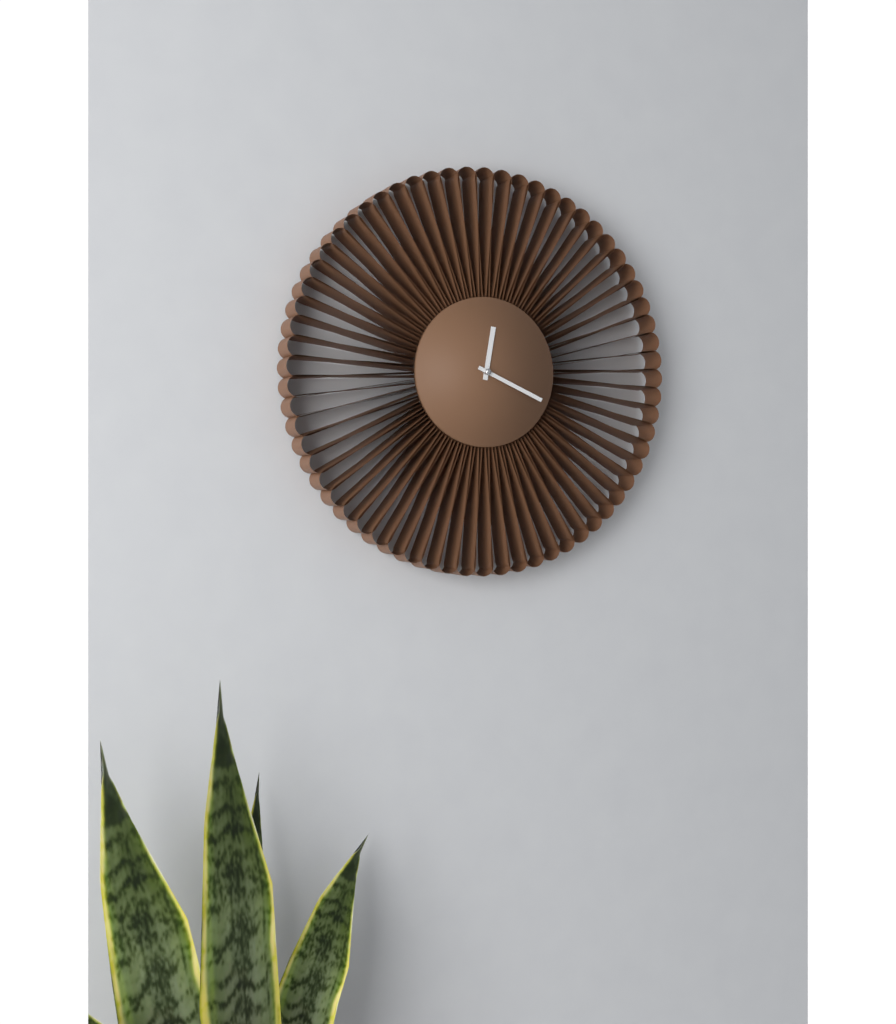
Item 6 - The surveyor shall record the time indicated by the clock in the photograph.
12:19
